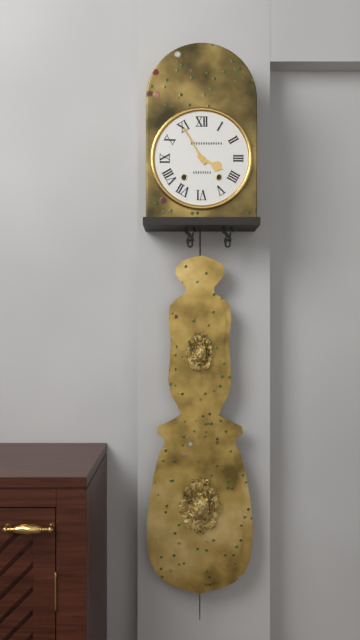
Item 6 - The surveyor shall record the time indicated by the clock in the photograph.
3:55
